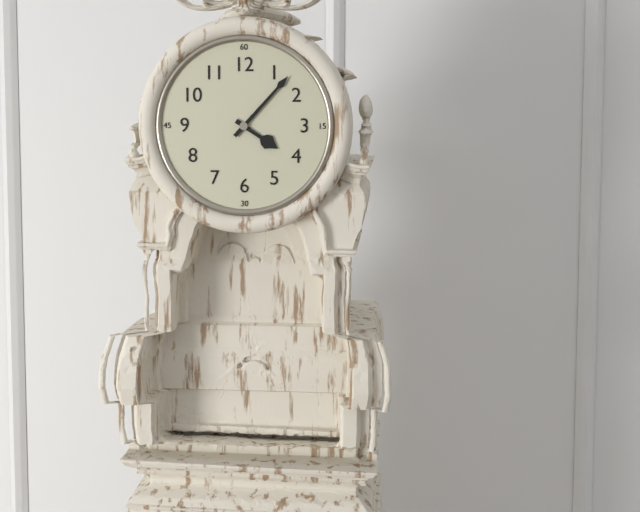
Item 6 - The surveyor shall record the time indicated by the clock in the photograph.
4:07
